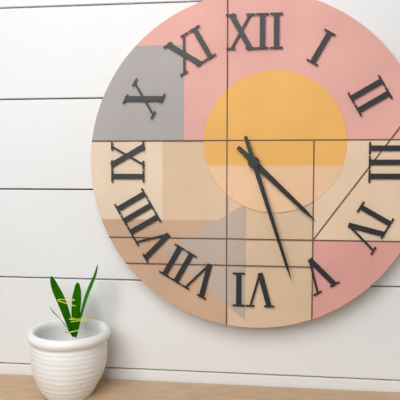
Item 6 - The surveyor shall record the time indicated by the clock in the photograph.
4:27
